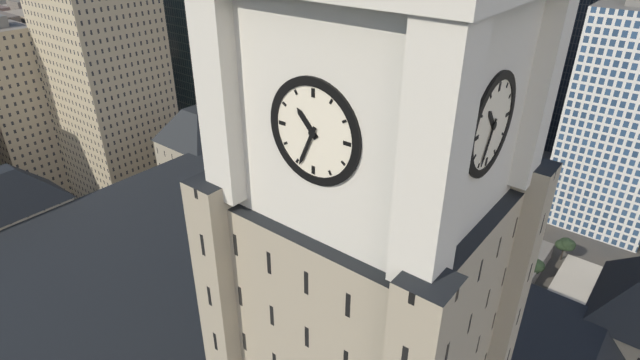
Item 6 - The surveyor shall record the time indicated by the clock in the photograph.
10:34
